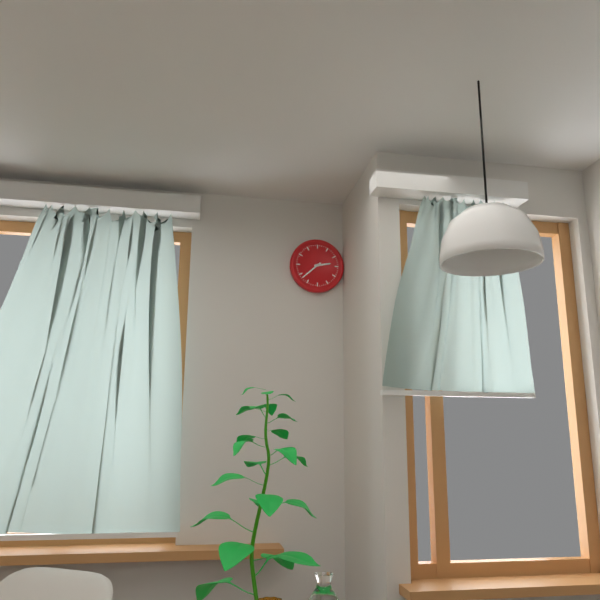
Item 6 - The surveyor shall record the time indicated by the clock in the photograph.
2:38
